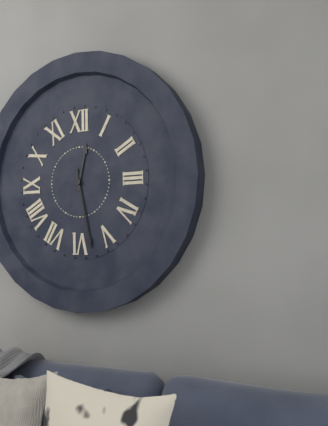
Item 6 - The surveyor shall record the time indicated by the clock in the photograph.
12:28
